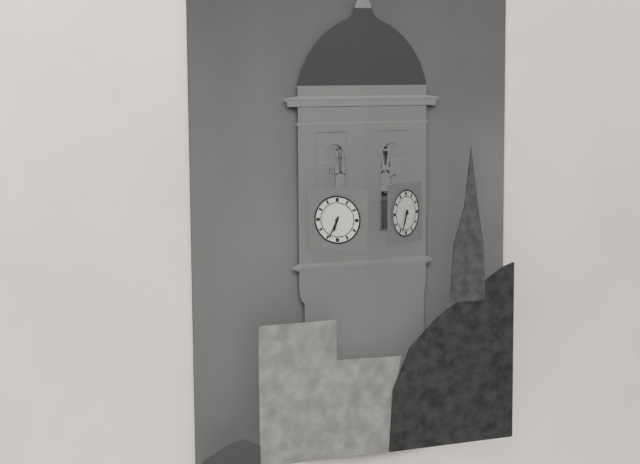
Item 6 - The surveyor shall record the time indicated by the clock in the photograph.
6:34
